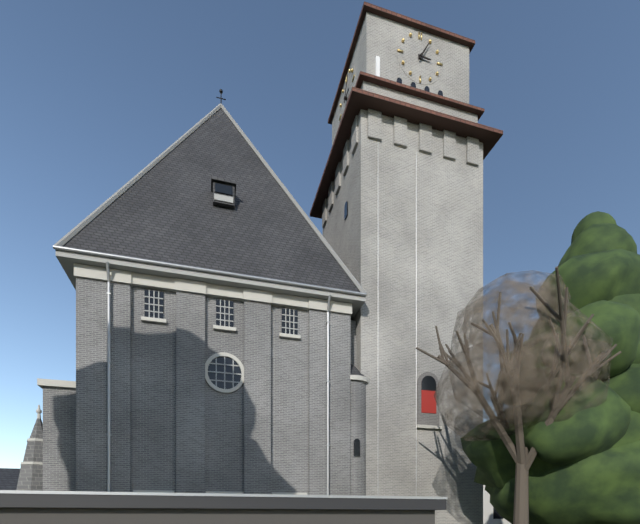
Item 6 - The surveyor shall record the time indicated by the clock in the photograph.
3:05
